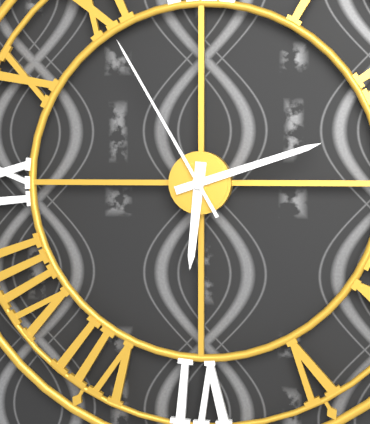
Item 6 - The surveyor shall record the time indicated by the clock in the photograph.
6:12:55
